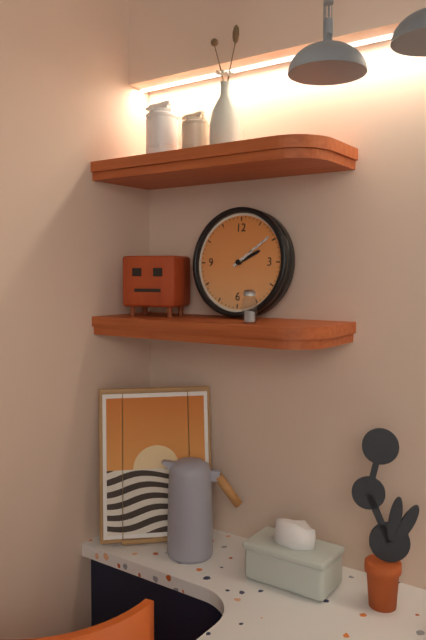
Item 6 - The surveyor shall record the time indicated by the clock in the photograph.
2:09
